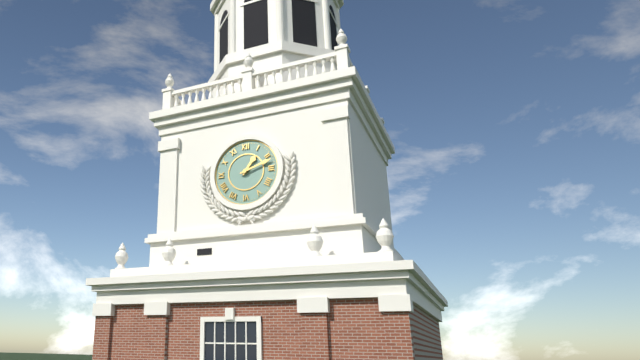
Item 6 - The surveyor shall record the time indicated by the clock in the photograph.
1:12
